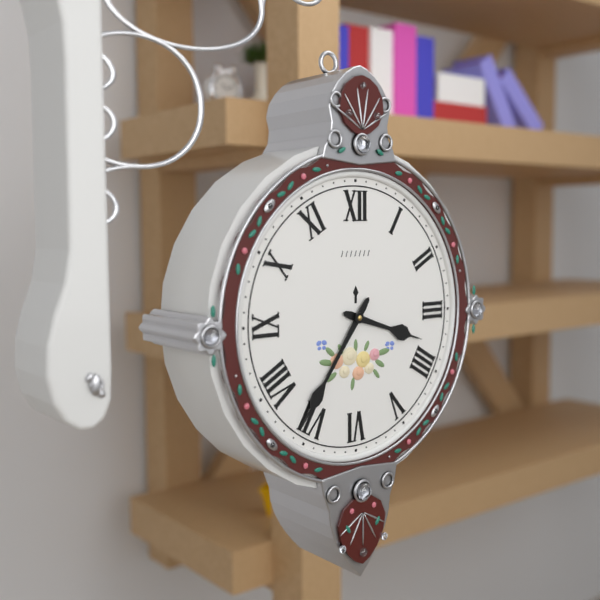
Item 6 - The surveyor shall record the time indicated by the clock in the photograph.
3:36
